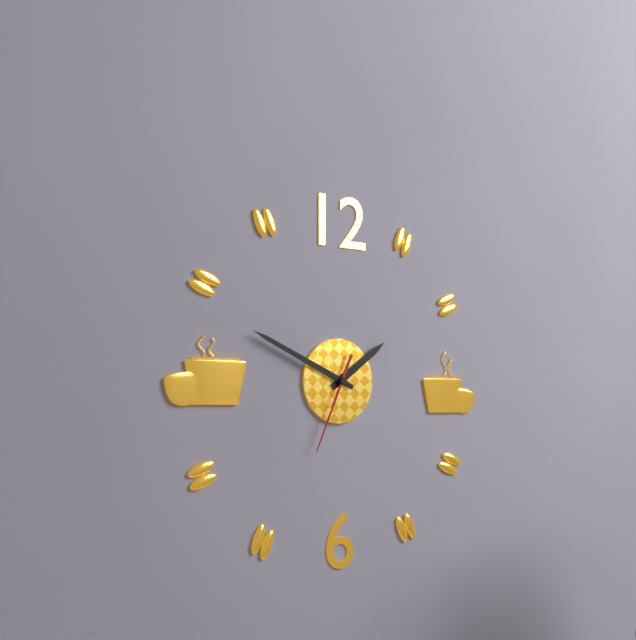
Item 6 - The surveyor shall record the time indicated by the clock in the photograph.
1:49:34
